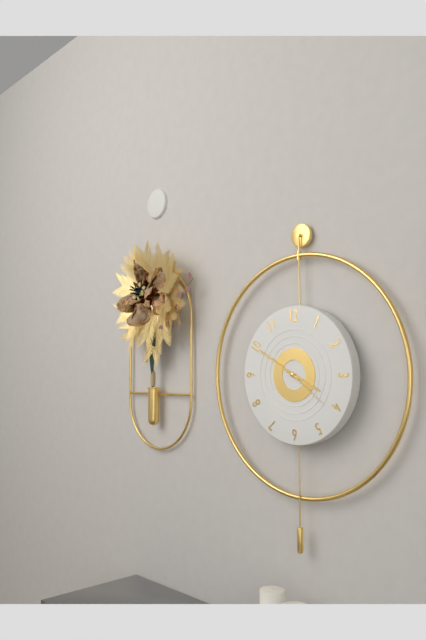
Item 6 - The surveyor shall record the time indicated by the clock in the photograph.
3:50:21
